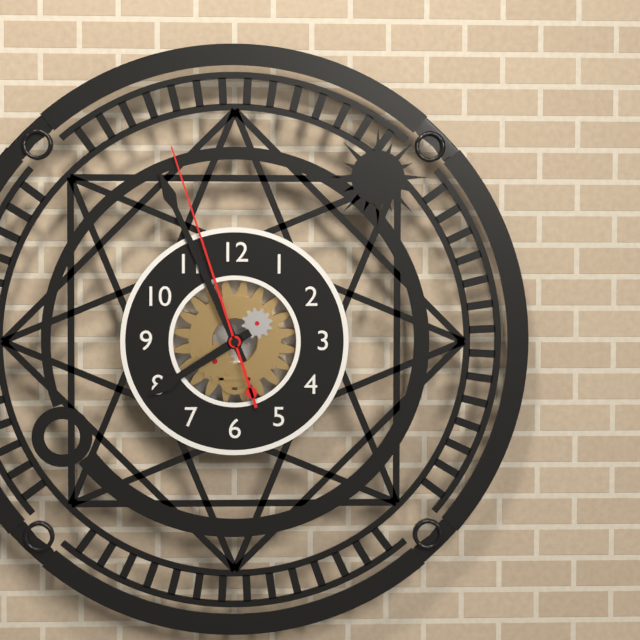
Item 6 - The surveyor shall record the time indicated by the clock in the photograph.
7:56:57
